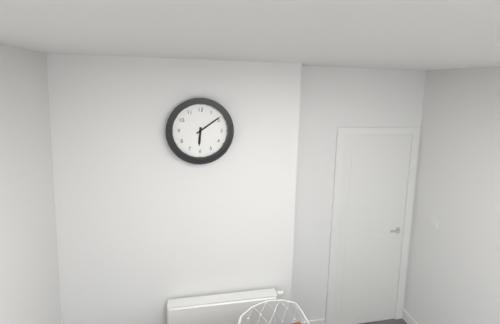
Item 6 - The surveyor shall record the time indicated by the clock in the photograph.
6:09
